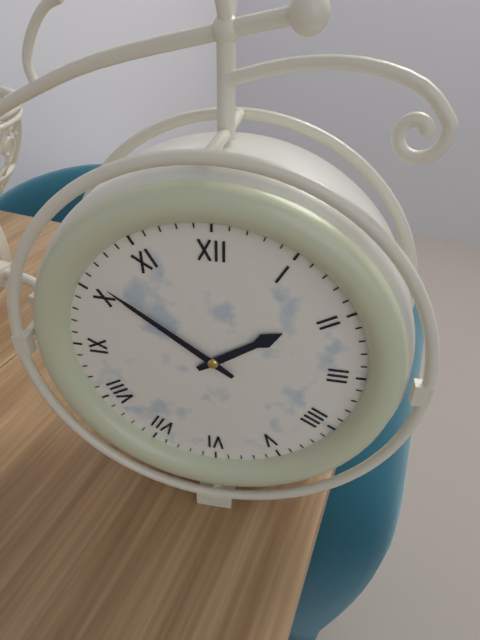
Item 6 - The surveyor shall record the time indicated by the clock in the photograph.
1:51
